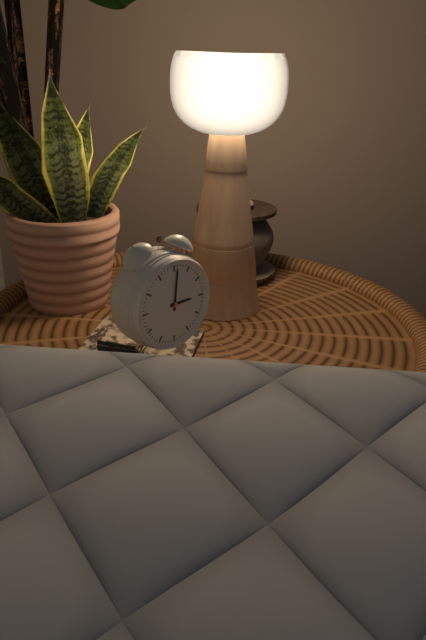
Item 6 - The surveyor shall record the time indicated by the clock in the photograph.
3:01
